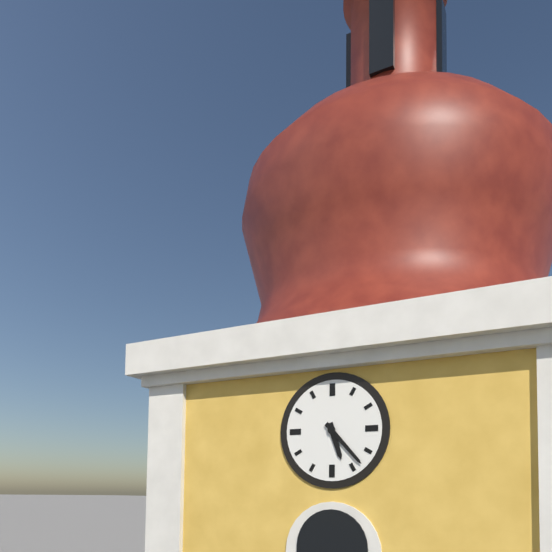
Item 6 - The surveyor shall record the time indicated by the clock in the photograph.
5:23
